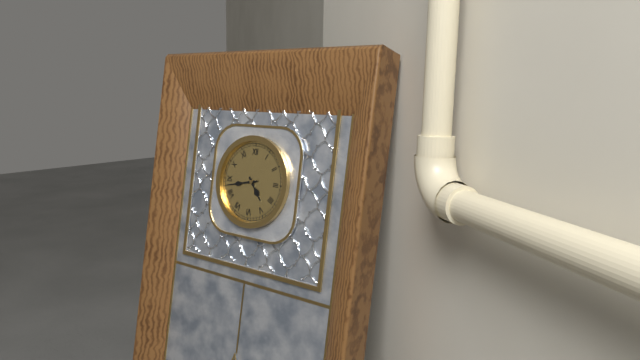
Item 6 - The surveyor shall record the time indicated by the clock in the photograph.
4:43
